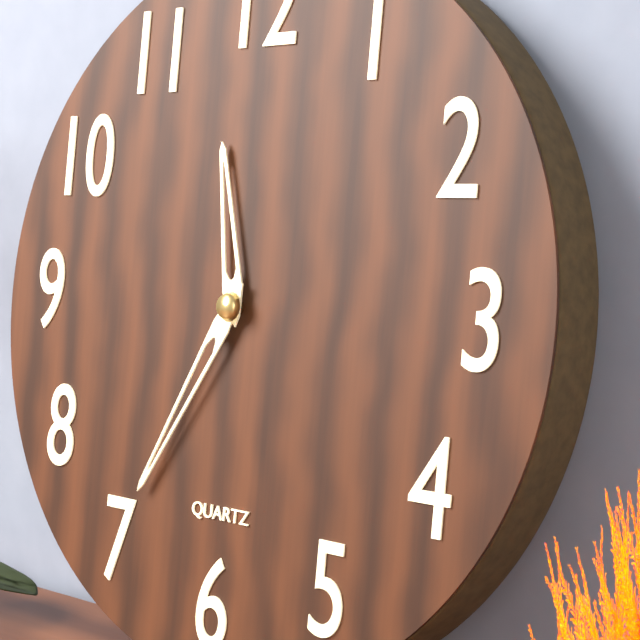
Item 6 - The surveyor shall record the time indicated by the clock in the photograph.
11:35
